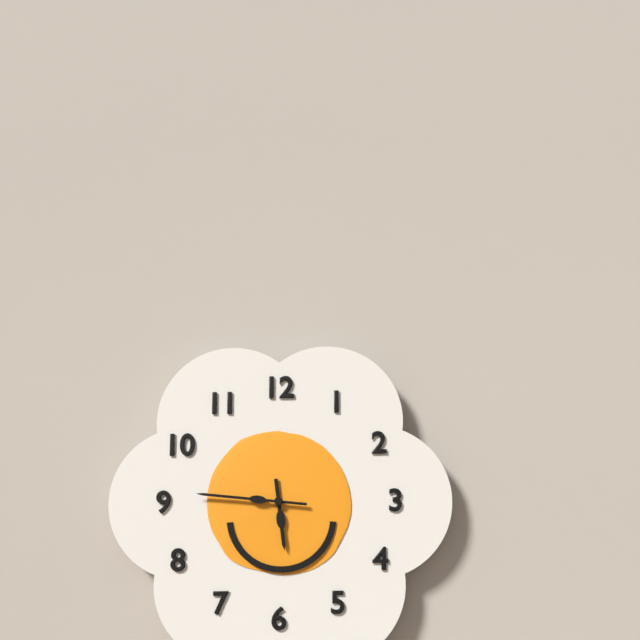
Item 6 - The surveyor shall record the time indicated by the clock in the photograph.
5:46
